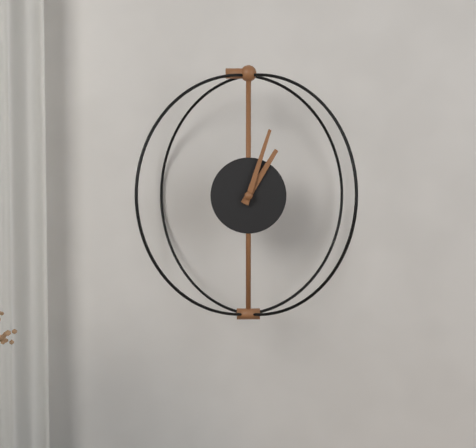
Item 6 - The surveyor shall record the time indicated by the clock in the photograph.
1:03
